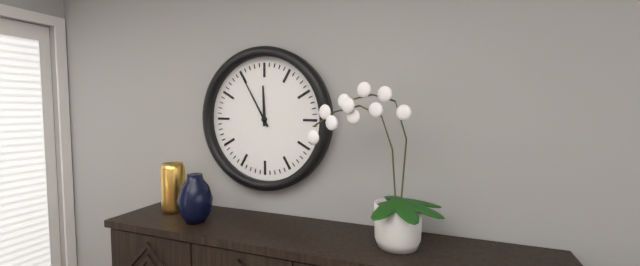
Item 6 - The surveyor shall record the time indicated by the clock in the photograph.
11:55
